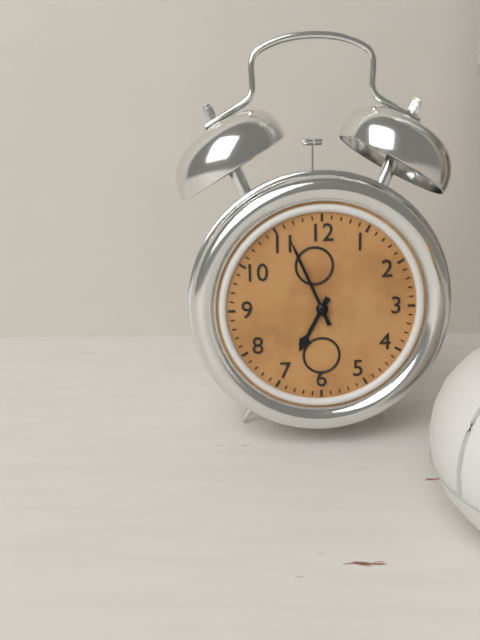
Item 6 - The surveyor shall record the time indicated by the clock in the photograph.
6:56
